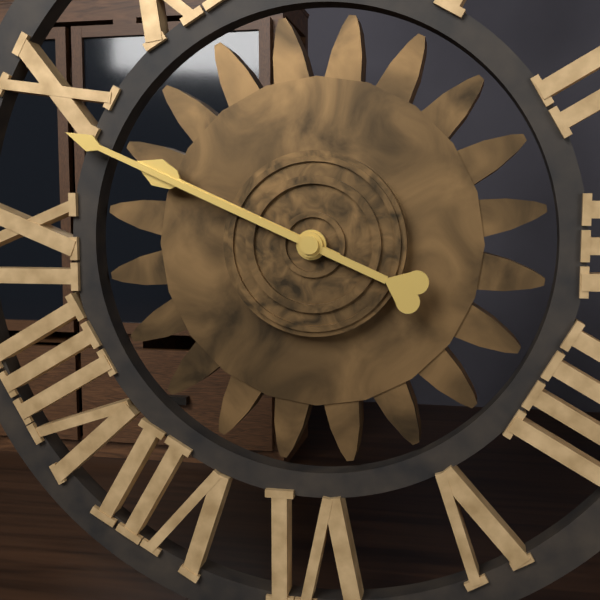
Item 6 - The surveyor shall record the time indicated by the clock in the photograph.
9:49
